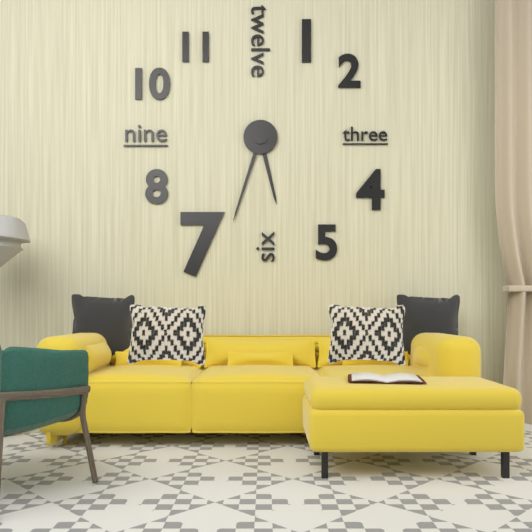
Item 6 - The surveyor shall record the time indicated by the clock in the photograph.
5:33
